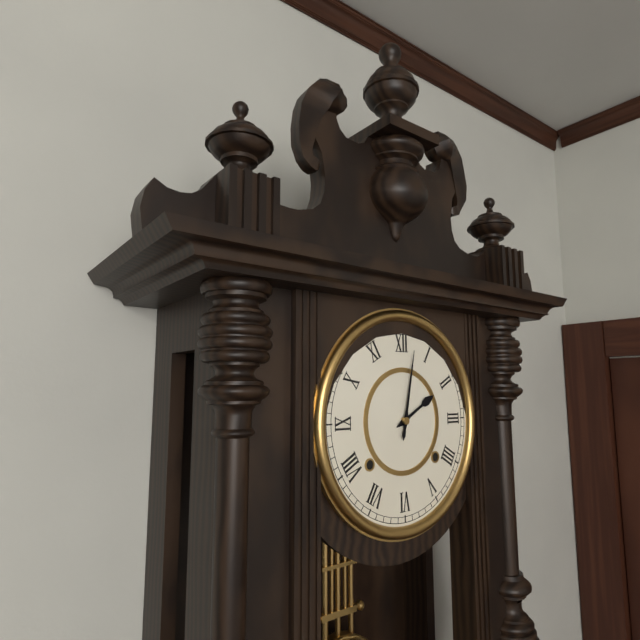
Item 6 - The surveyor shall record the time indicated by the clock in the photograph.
2:02
